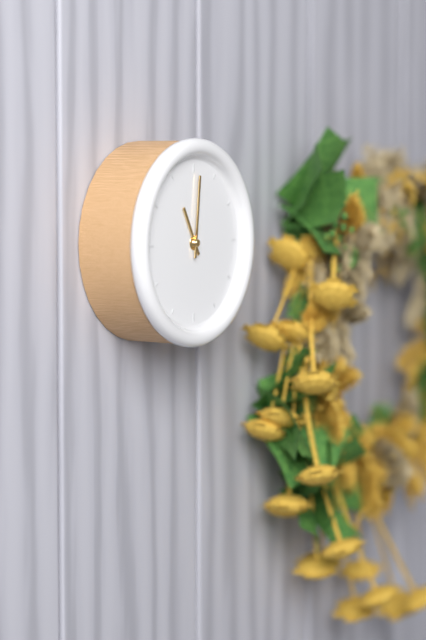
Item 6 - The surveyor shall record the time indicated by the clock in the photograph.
11:01
